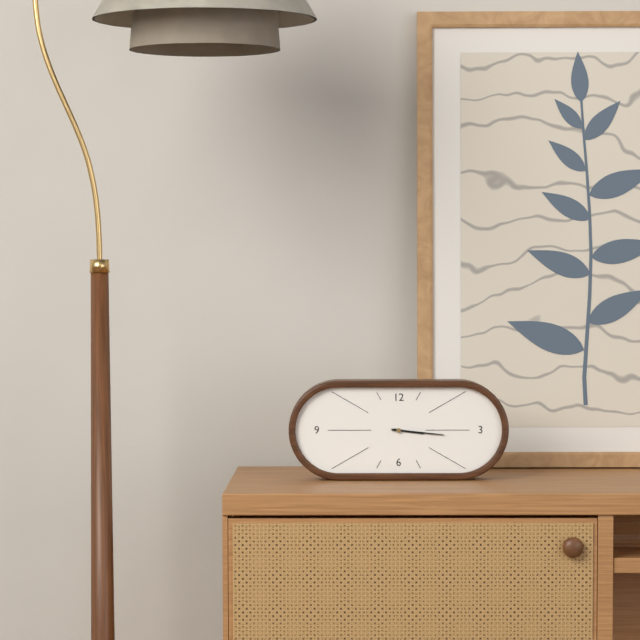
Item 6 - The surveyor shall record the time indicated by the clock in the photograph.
3:16
